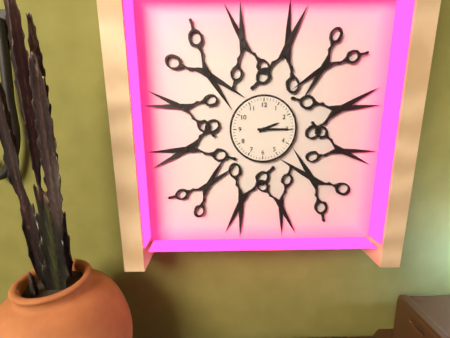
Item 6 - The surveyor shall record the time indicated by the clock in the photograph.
2:15
